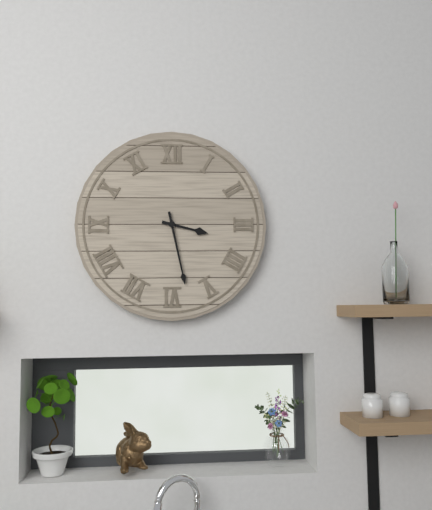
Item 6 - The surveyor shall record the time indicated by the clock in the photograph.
3:28
